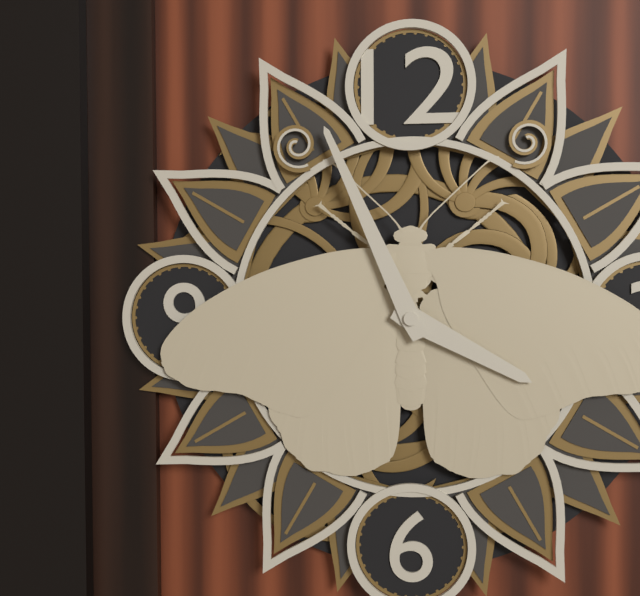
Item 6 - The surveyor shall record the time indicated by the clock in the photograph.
3:56
